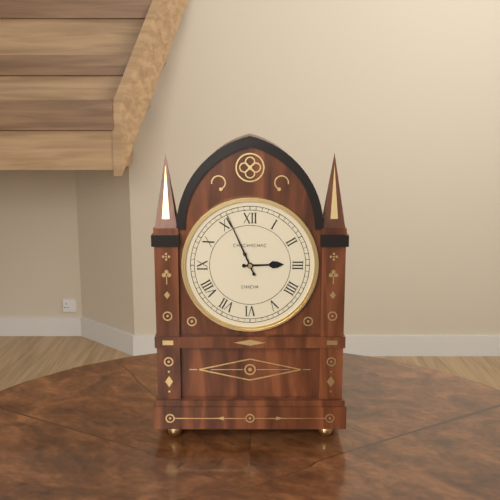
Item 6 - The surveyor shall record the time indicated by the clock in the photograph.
2:56
